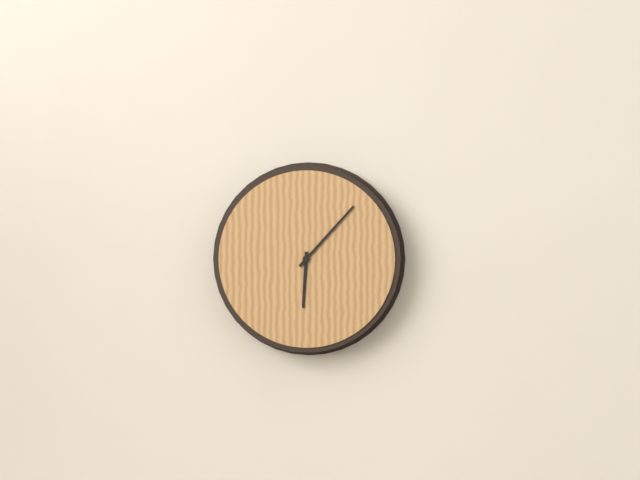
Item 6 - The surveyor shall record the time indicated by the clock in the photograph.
6:07
